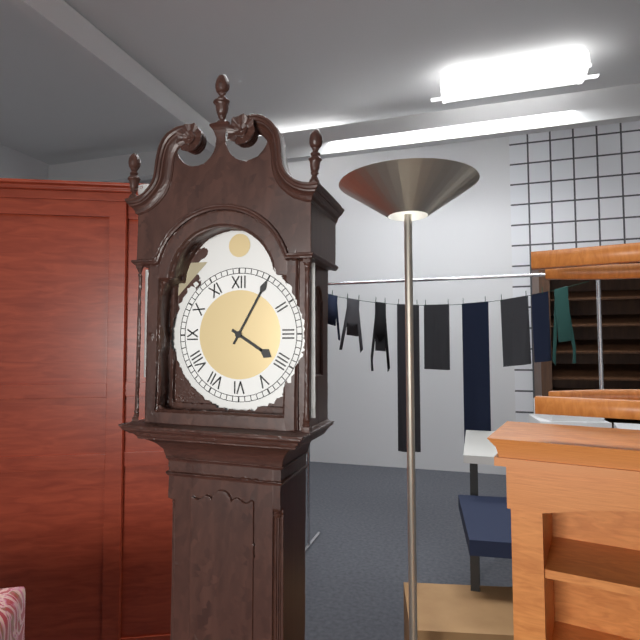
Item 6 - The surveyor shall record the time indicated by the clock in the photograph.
4:05
